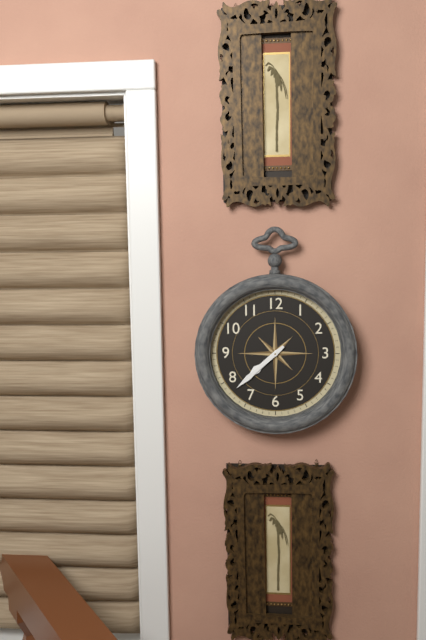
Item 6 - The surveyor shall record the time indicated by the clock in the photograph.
7:38
